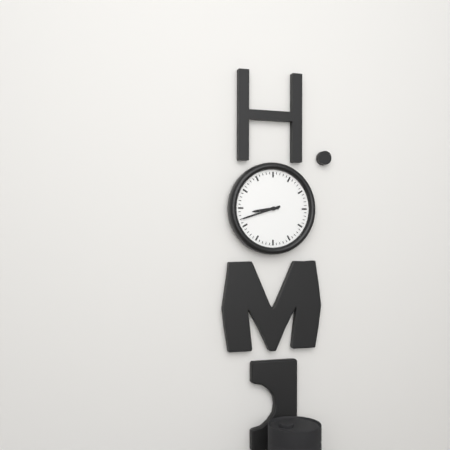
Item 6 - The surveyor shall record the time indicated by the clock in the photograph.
8:42
